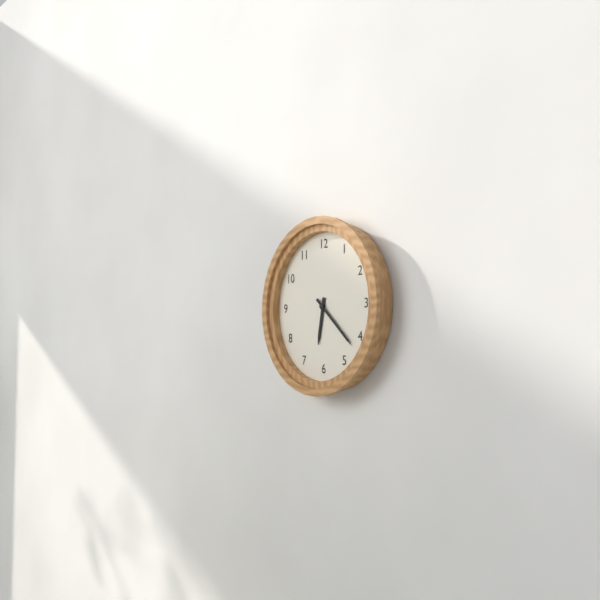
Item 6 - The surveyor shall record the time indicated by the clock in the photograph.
6:22
